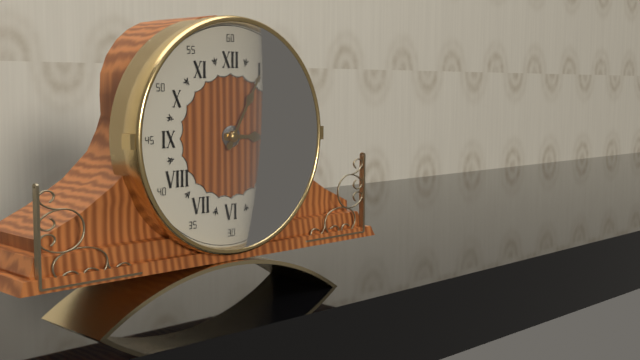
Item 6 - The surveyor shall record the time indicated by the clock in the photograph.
3:05
